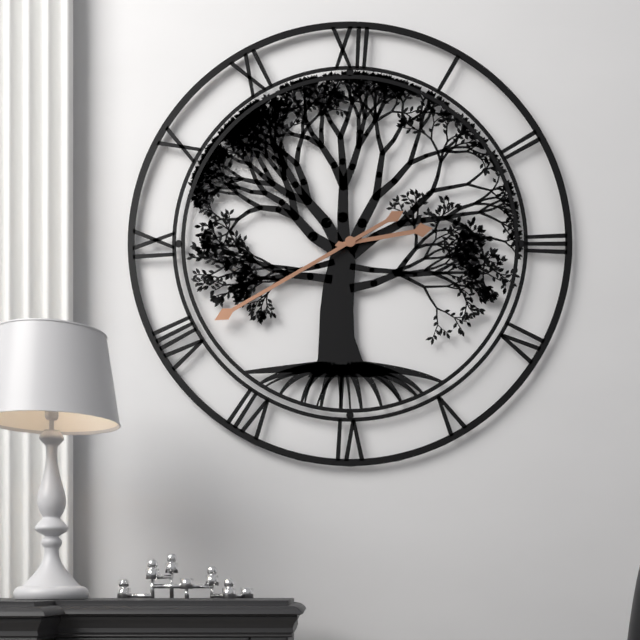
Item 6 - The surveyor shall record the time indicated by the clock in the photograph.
2:40
